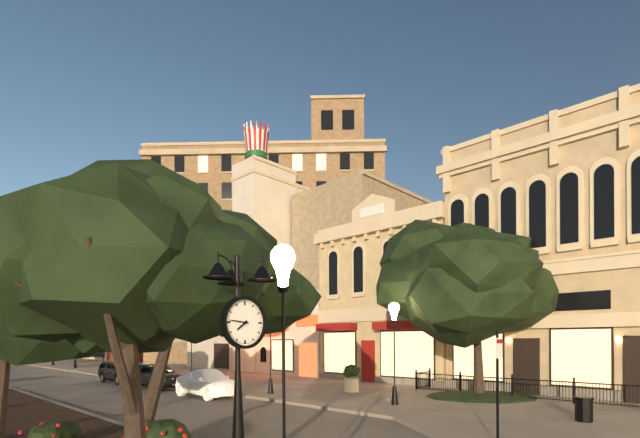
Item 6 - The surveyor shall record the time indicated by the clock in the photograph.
7:46
